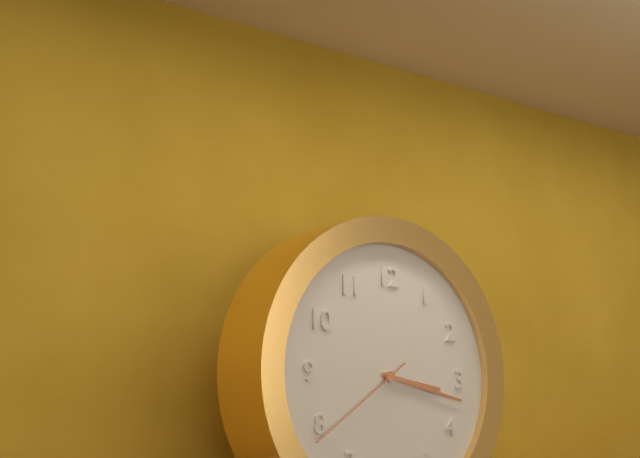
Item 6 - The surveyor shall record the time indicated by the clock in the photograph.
3:17:39
